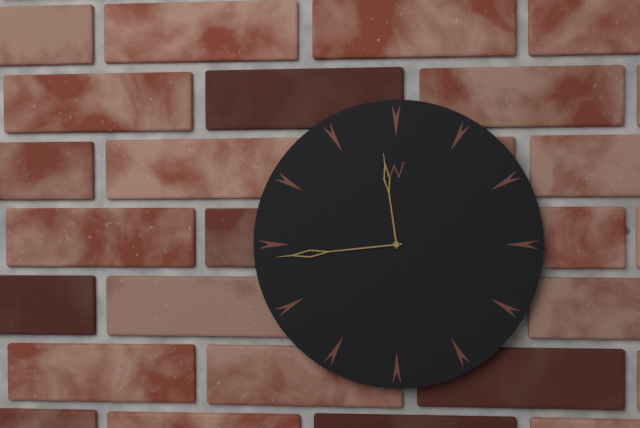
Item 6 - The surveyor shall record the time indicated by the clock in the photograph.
11:44
